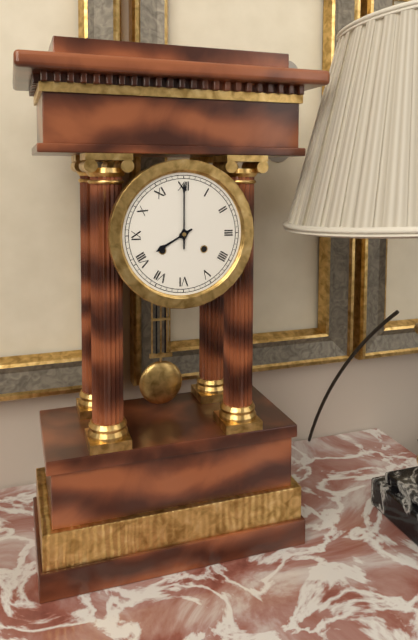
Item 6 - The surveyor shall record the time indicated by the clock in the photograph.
8:00
